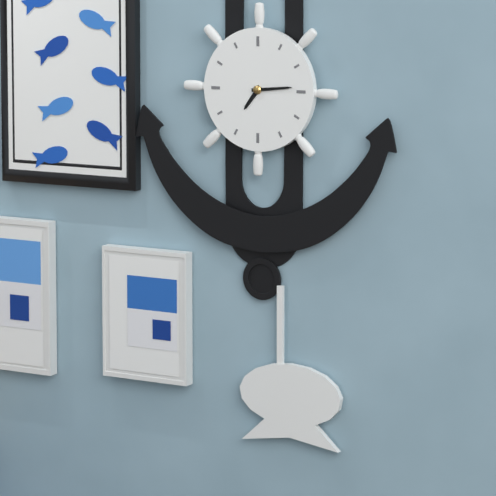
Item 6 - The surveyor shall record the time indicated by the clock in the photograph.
7:14
